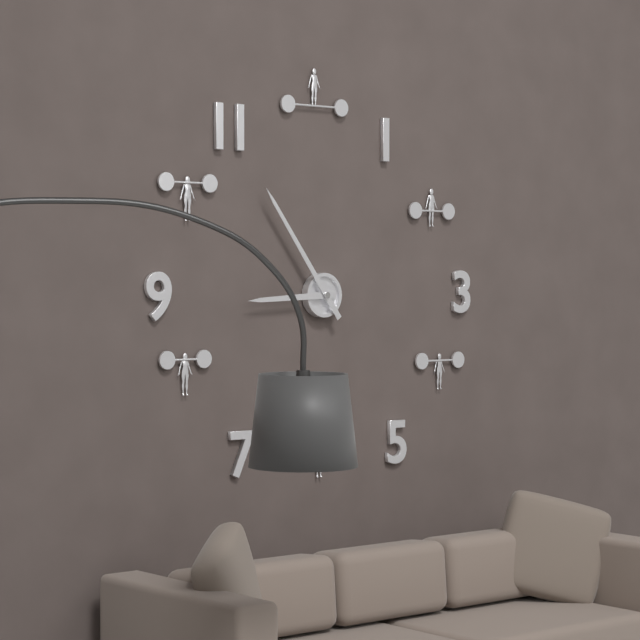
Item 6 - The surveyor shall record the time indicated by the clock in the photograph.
8:54
